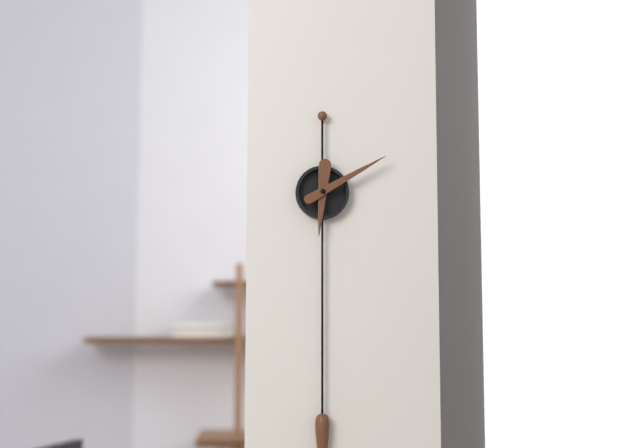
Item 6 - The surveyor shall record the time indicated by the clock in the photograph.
6:10
